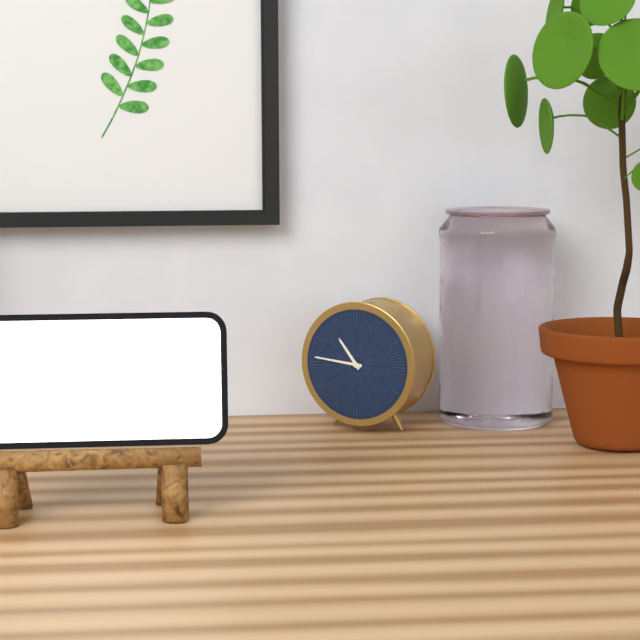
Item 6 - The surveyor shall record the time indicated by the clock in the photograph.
10:46
